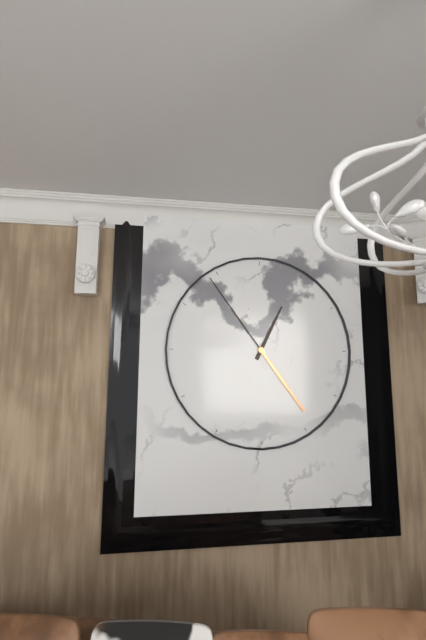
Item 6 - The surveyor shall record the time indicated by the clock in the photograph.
12:54
